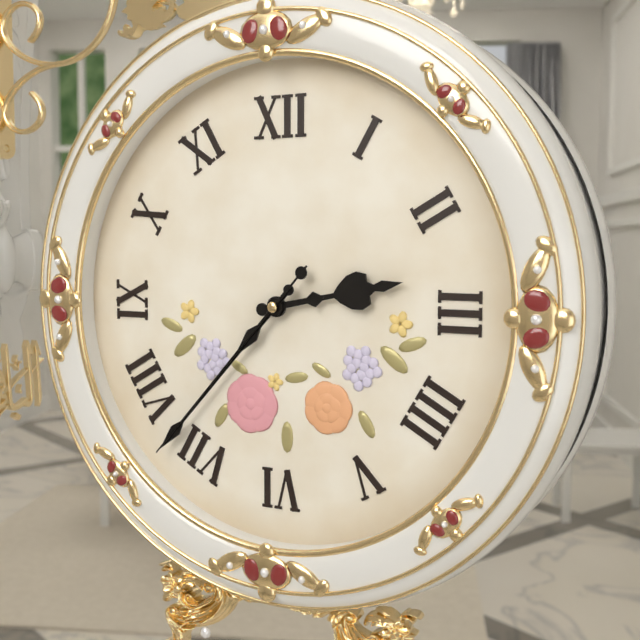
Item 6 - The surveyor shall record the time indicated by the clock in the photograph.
2:37:37
